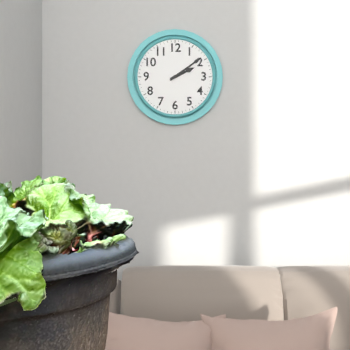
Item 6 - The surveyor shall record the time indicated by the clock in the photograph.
2:09
